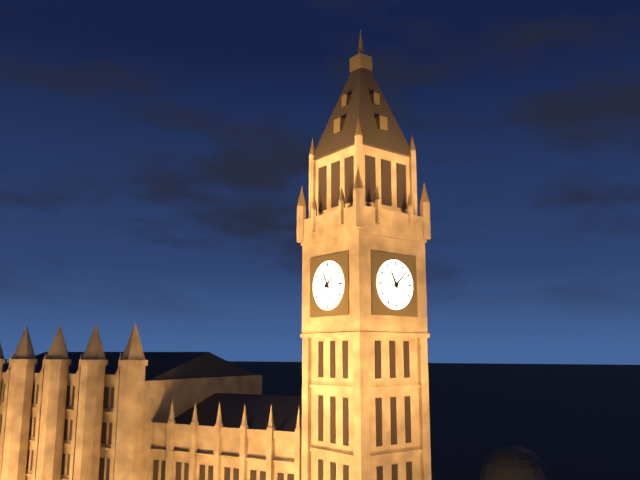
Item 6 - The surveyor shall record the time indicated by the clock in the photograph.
11:08
